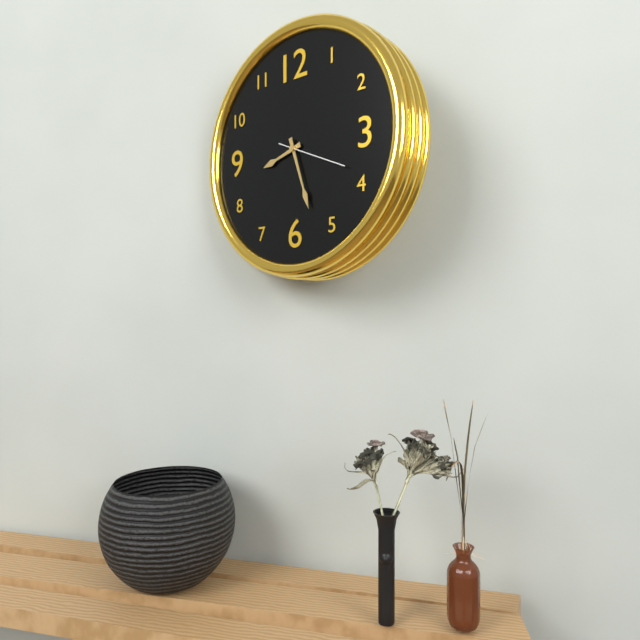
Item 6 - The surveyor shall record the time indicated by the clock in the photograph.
8:27:19
